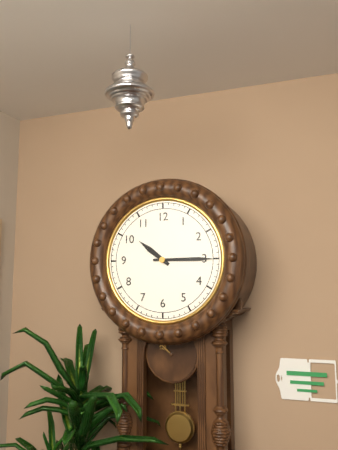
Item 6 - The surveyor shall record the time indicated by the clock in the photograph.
10:15
